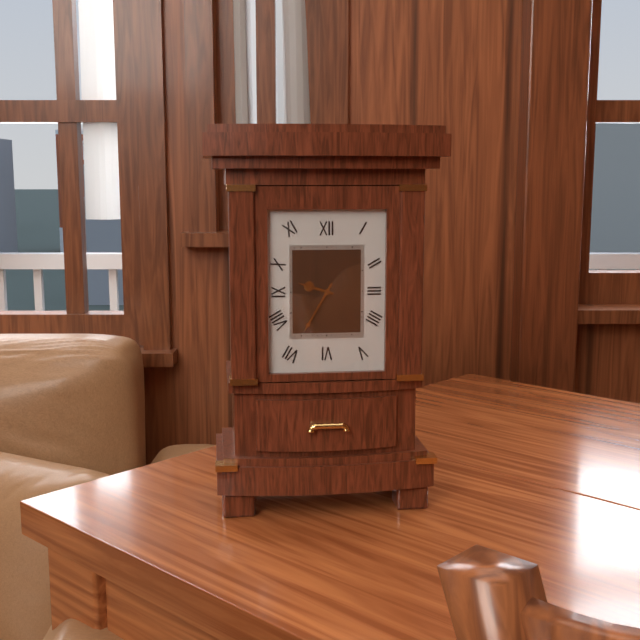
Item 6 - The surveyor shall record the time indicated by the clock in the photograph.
9:35
